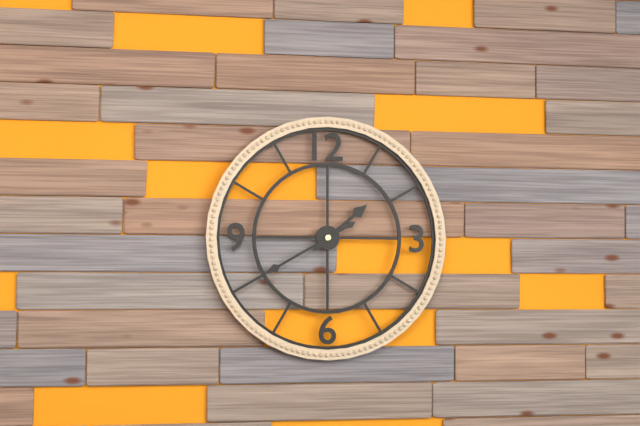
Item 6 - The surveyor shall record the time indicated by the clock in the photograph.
1:40
